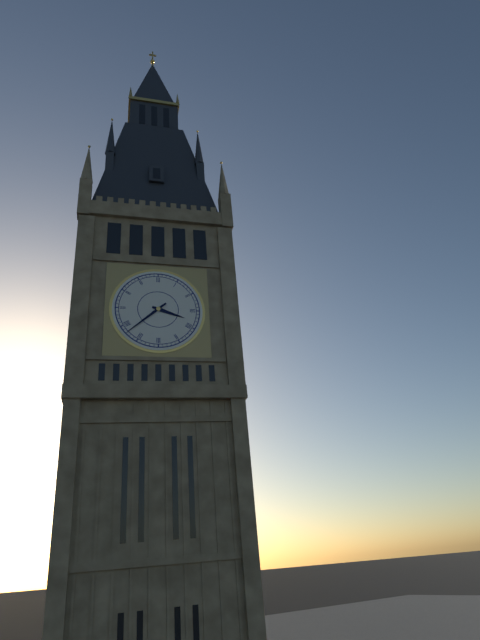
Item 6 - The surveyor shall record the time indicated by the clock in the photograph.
3:38
